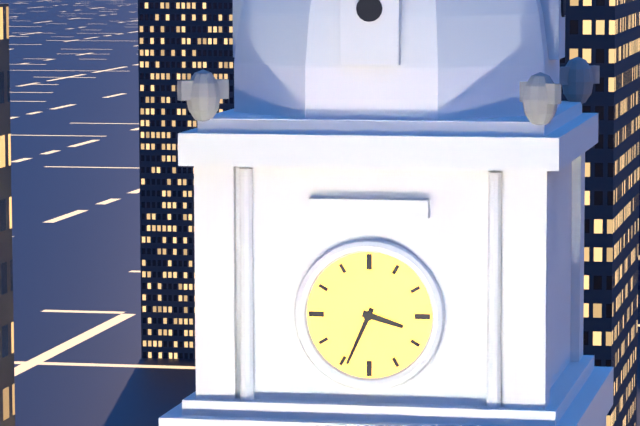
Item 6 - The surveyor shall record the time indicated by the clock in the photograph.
3:34
